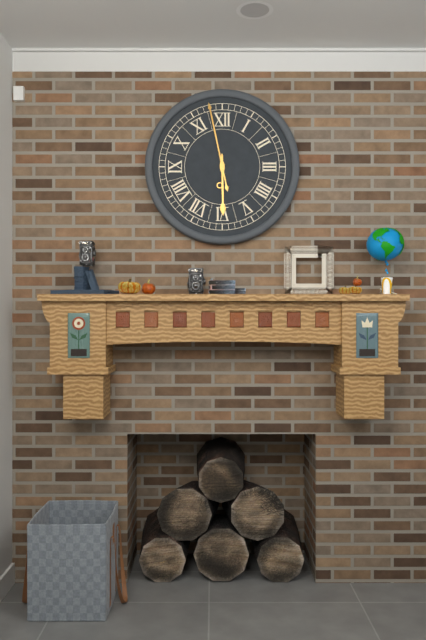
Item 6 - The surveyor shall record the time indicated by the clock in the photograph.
5:58
